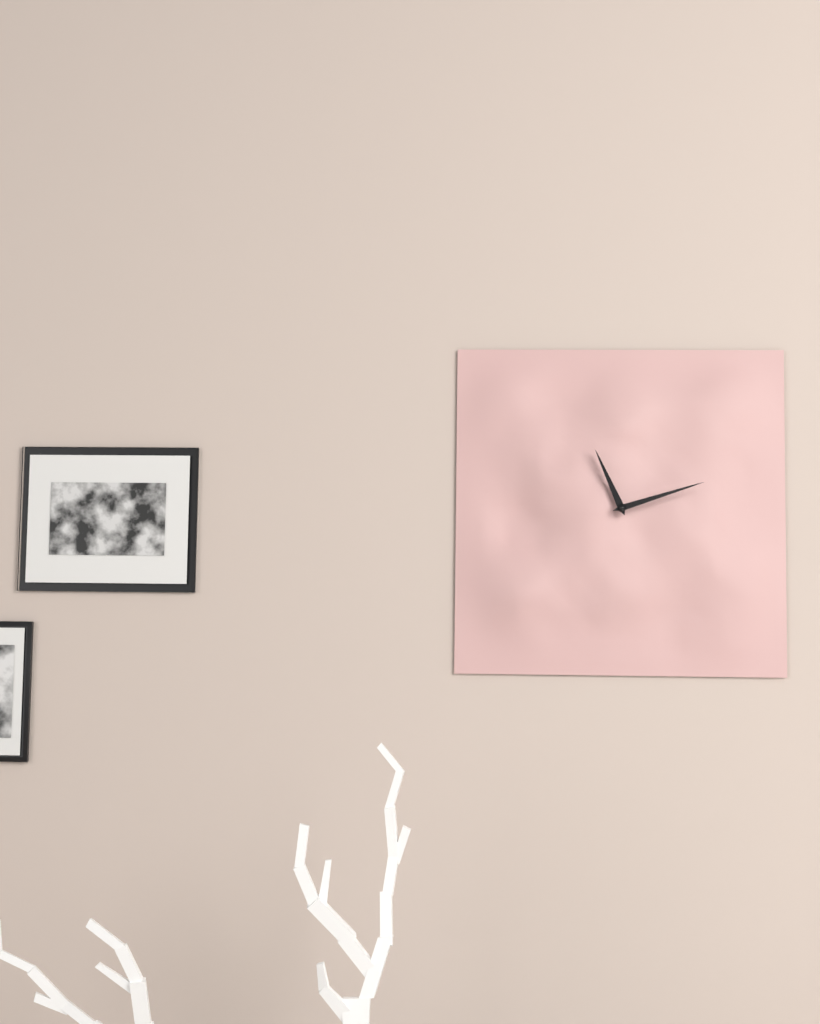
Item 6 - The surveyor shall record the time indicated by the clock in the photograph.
11:12
